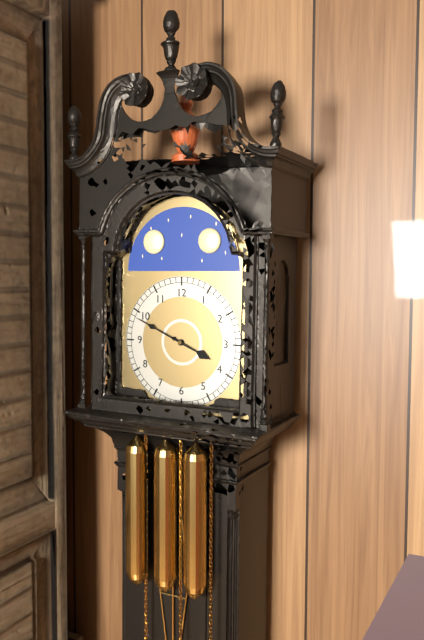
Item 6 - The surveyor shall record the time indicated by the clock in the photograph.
3:49
